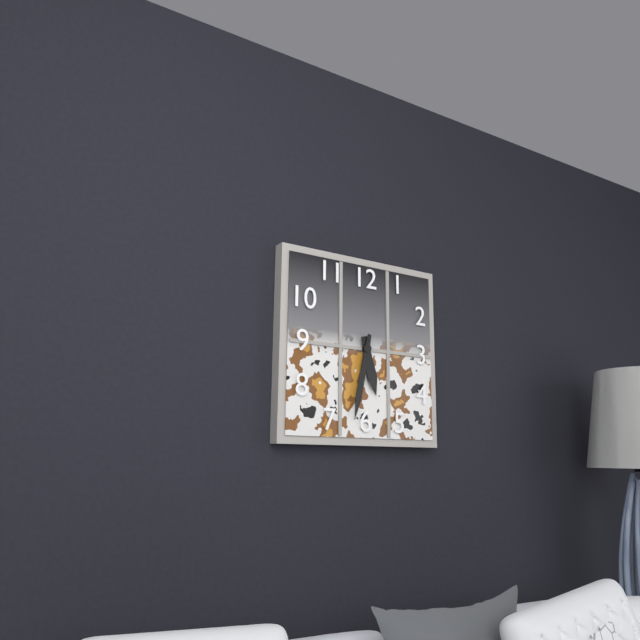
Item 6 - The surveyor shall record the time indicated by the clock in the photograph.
5:32
